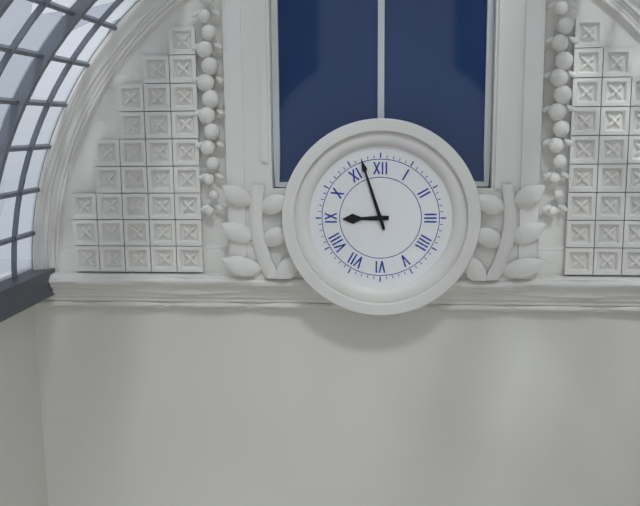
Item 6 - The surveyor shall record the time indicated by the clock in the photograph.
8:57
